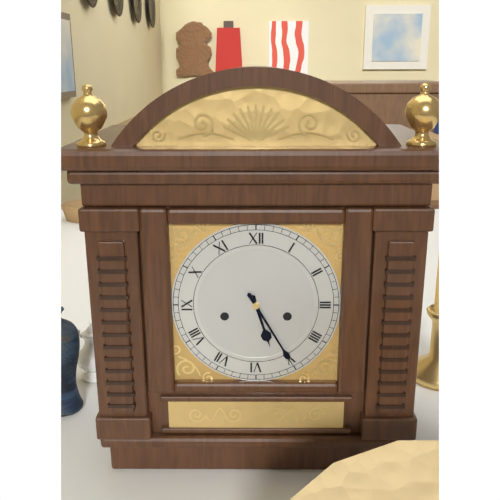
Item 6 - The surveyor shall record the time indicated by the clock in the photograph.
5:25
